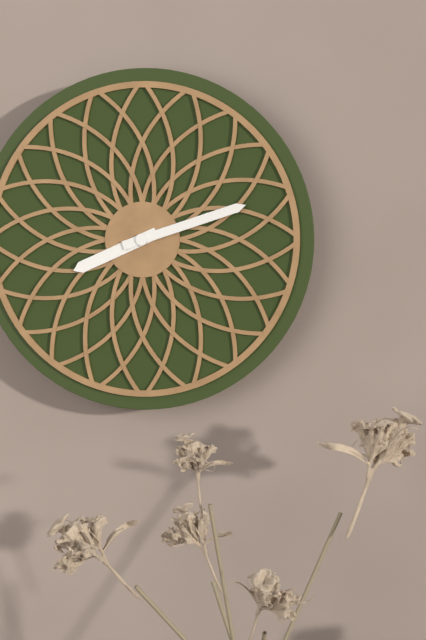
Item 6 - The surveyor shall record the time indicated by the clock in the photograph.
8:12
